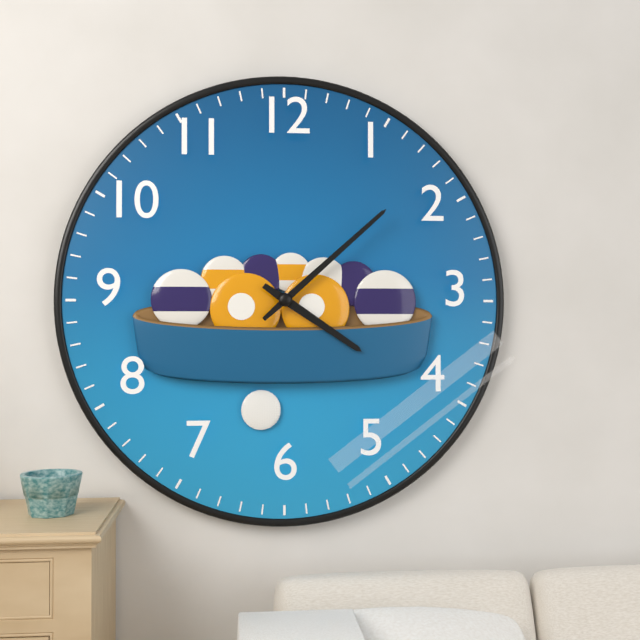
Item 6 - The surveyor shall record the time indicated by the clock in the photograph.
4:08
